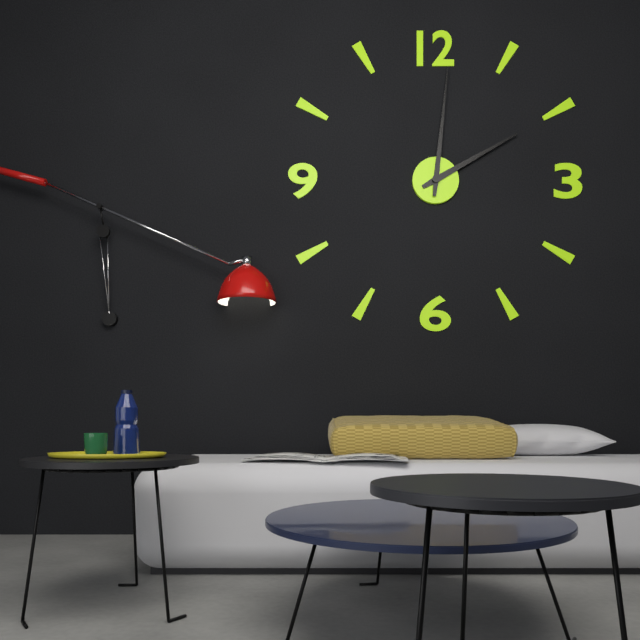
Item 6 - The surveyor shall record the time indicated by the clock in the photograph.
2:01
